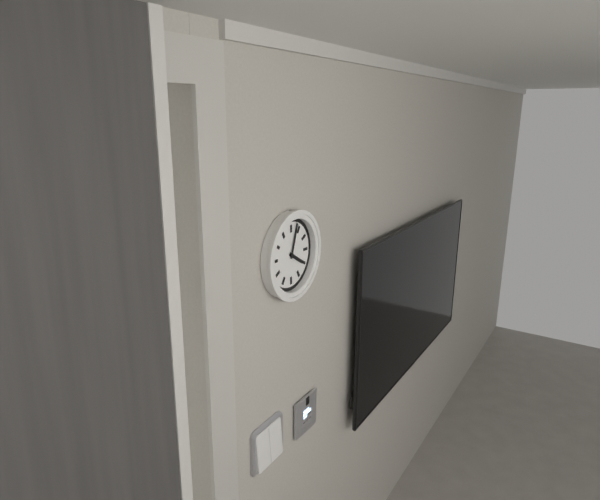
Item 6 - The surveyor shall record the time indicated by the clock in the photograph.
4:03
